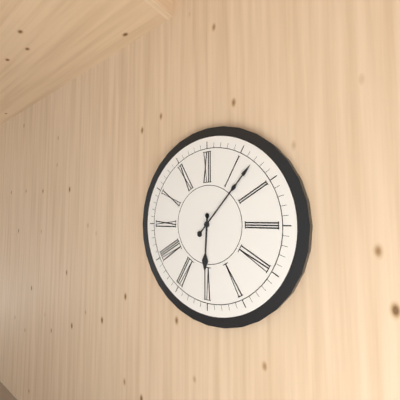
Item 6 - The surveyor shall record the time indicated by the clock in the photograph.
6:07
